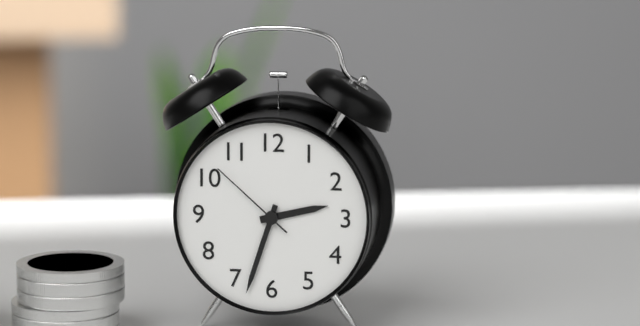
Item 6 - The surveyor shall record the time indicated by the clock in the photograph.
2:33:52
